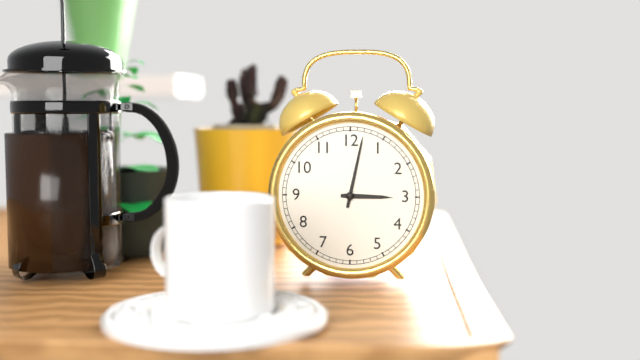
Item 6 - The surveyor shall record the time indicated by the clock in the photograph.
3:02
